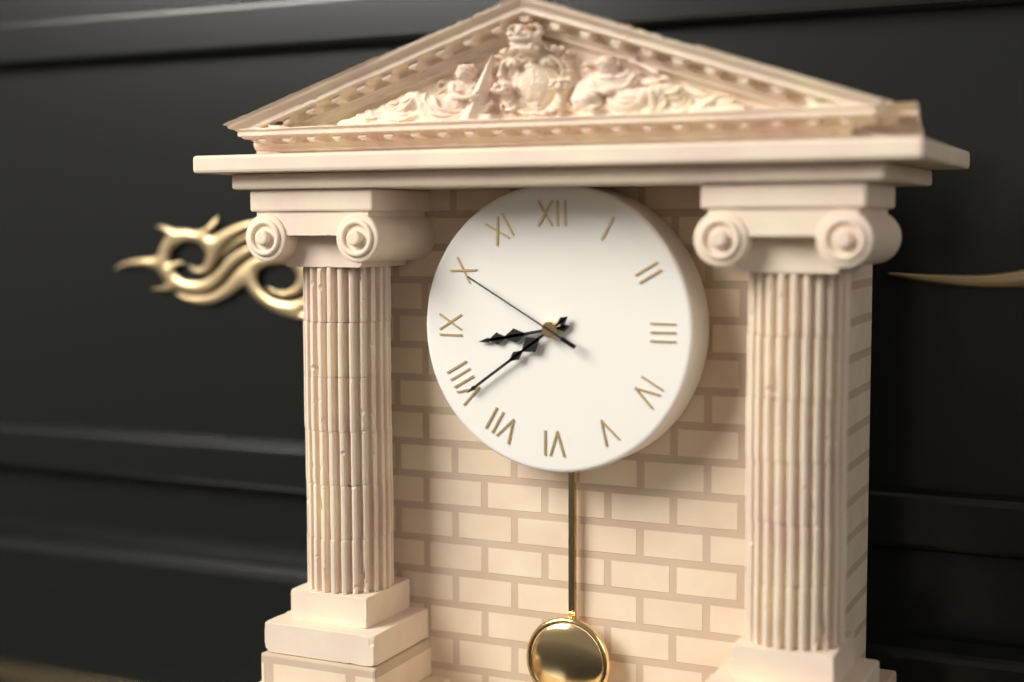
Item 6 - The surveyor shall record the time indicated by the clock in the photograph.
8:39:50
